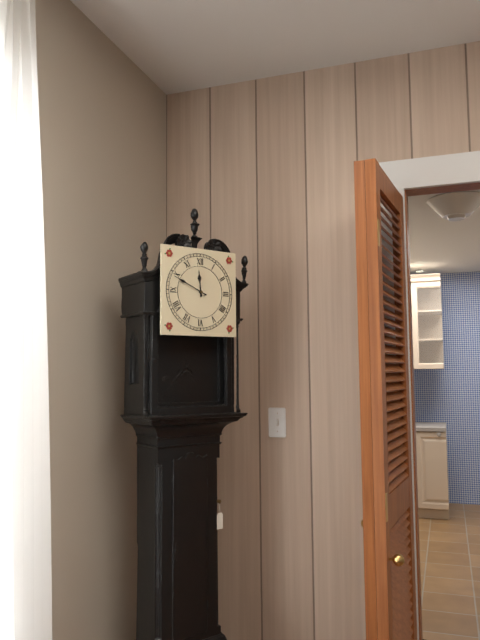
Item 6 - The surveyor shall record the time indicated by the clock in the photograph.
11:49
